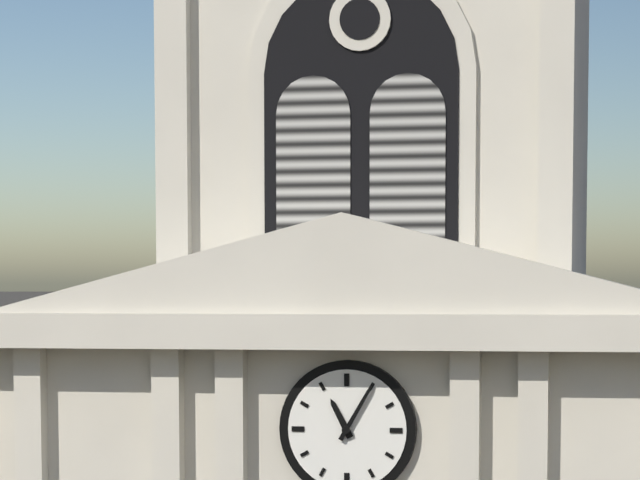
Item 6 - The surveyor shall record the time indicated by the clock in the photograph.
11:05
